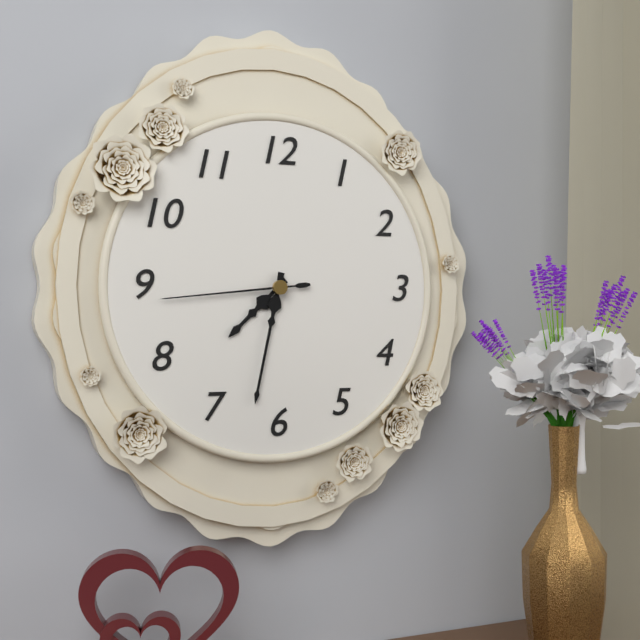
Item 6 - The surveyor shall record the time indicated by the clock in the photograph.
7:32:44
